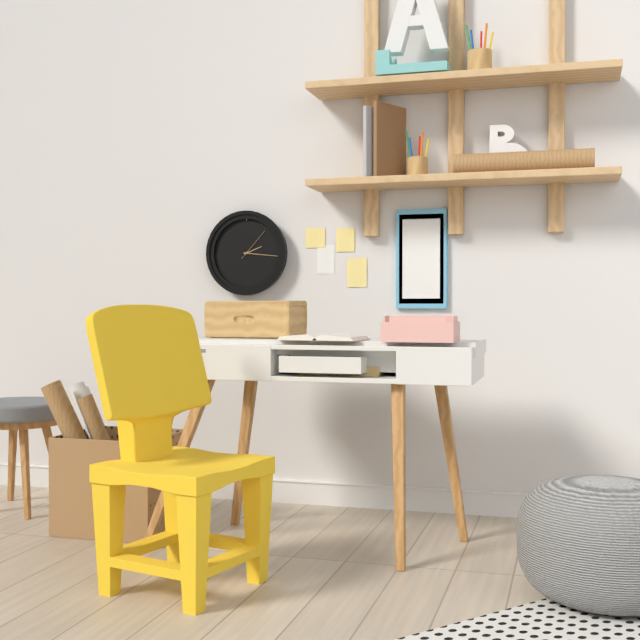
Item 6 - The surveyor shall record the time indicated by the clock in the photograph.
2:16
